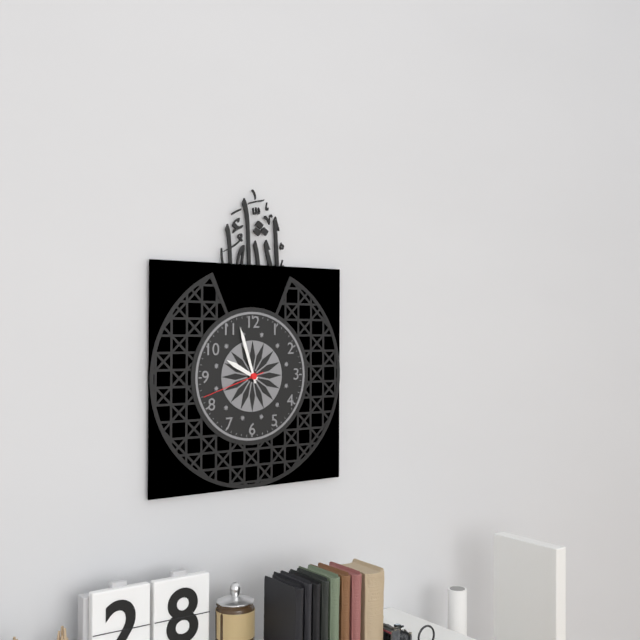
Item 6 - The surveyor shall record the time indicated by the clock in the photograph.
9:57:42
